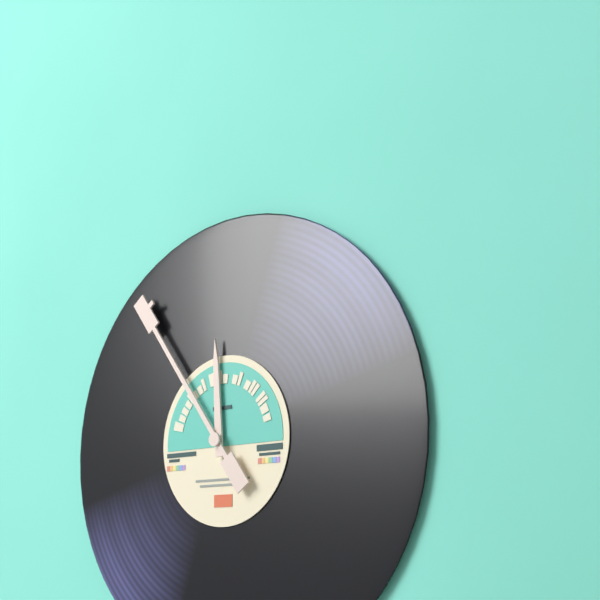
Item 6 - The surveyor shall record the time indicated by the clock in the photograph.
11:54
